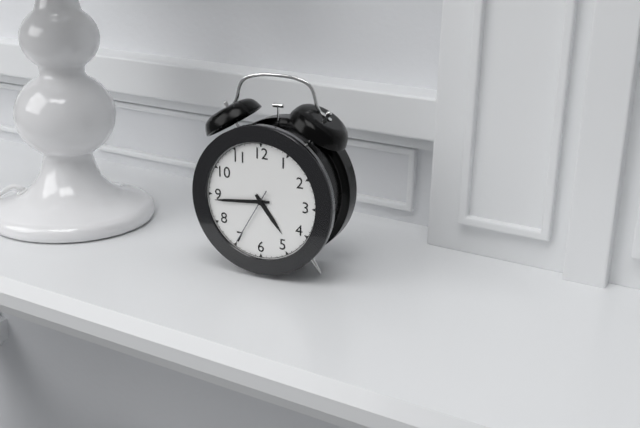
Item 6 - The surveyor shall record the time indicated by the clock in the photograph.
4:44:35
